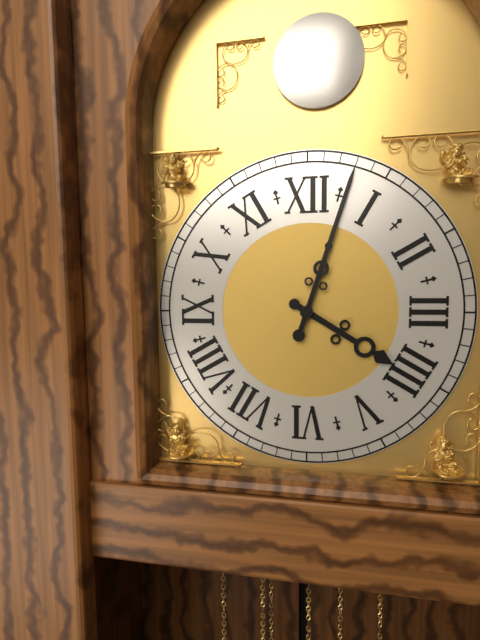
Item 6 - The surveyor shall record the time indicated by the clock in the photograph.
4:03
